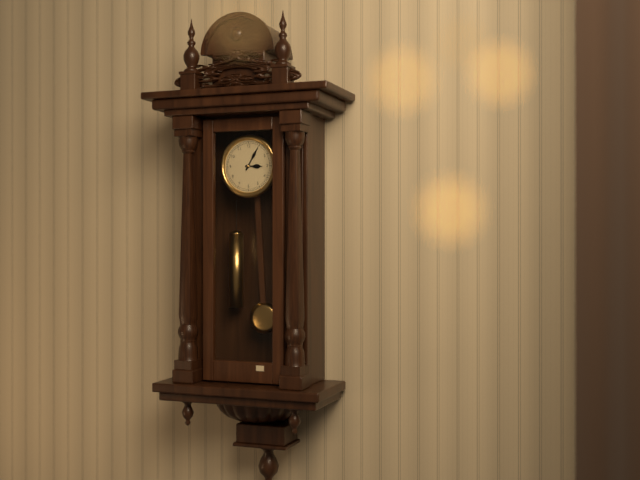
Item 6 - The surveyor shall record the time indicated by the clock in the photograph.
3:05
